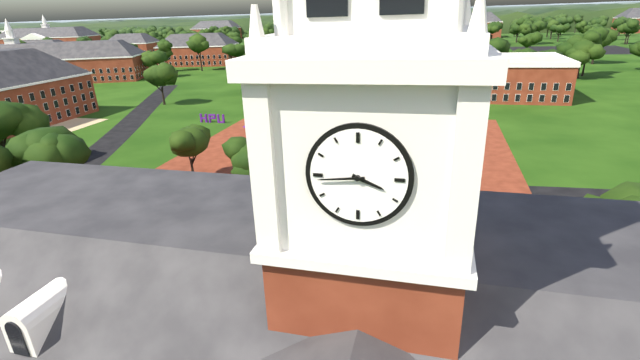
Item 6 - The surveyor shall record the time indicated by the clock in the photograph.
3:44
